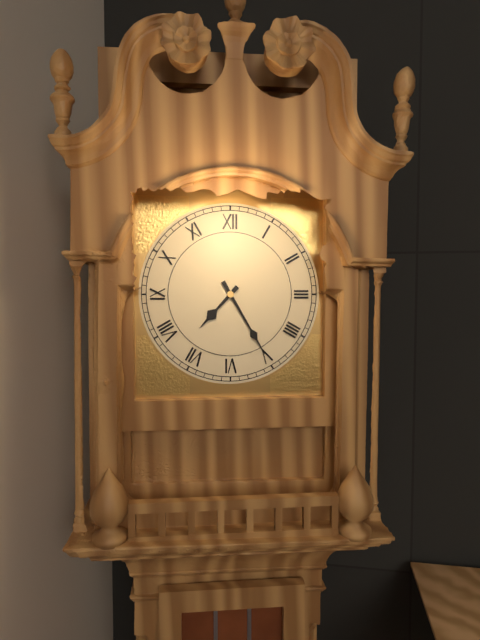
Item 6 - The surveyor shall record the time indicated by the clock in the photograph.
7:25
